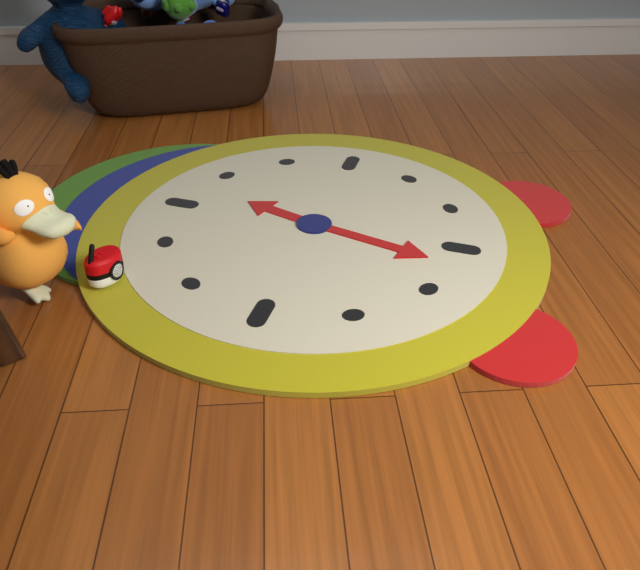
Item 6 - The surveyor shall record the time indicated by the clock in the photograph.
12:32
